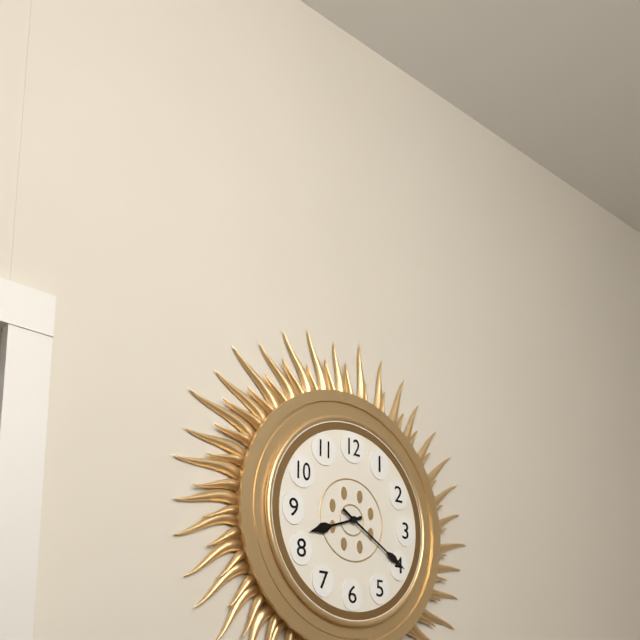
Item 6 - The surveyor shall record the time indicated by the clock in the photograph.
8:20
